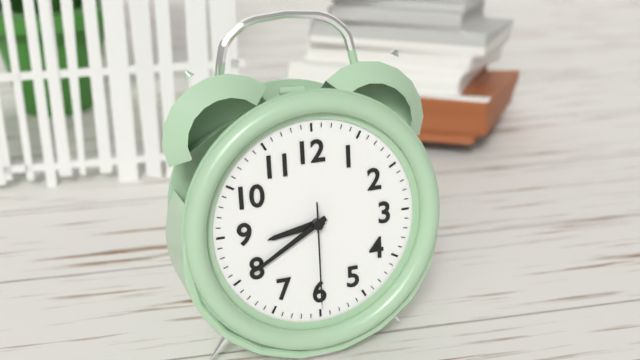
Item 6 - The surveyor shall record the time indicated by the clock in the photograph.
8:40:30
